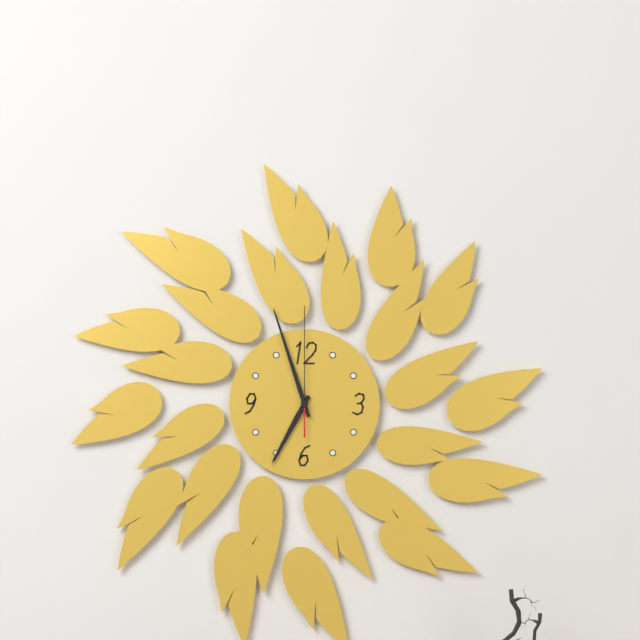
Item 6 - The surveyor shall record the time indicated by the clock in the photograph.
6:57:00
